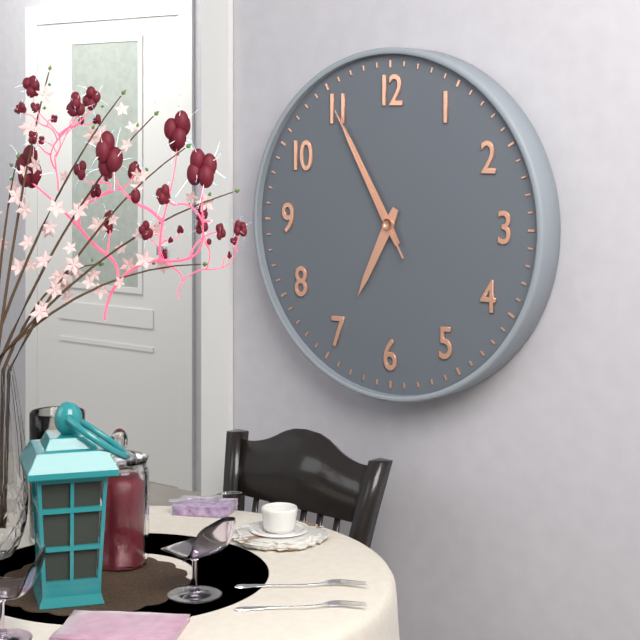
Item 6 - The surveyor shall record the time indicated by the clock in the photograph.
6:55:55
